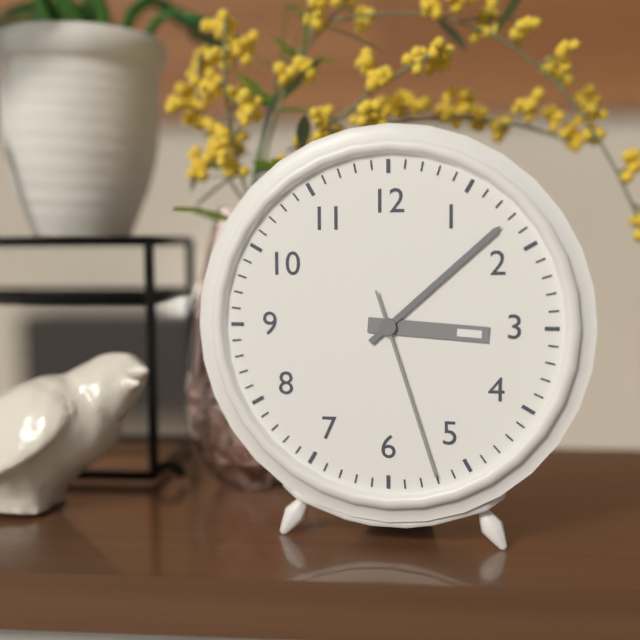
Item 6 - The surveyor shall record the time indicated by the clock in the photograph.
3:08:27
